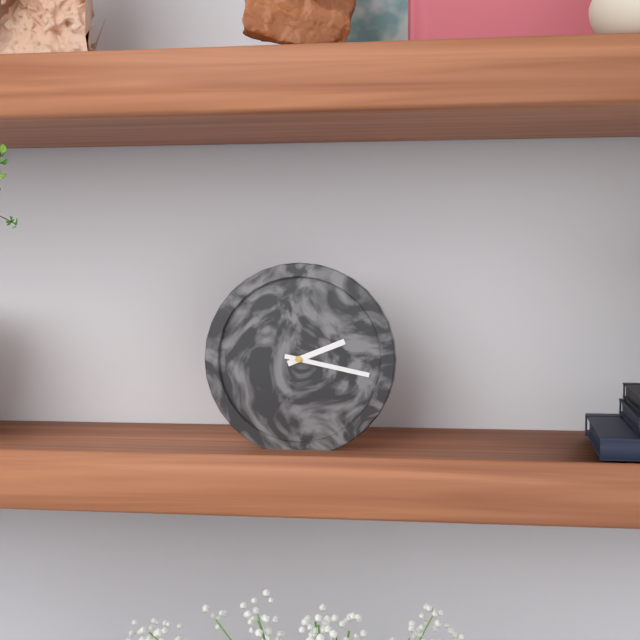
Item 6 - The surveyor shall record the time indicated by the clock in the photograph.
2:17
